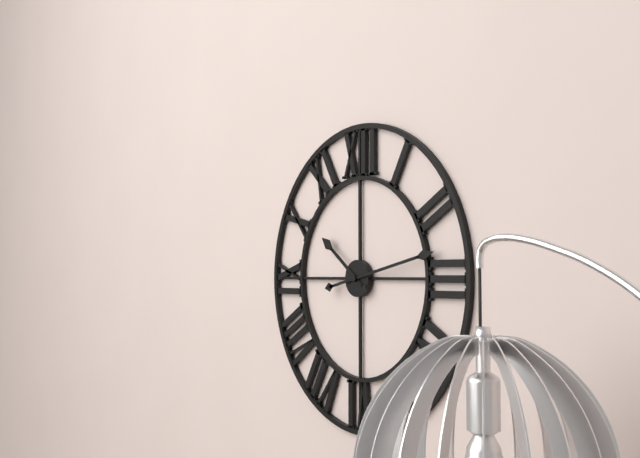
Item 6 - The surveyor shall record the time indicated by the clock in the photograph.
10:13
